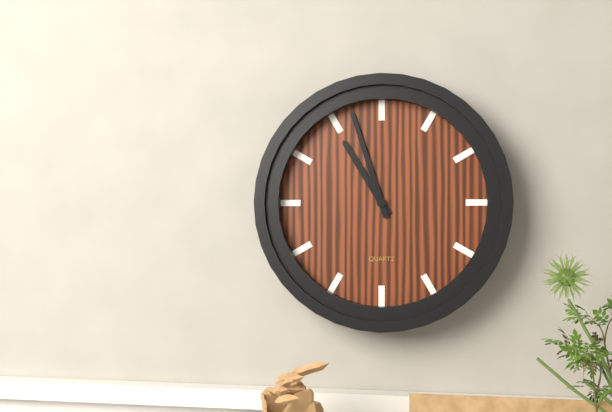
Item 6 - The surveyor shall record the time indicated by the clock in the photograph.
10:57
